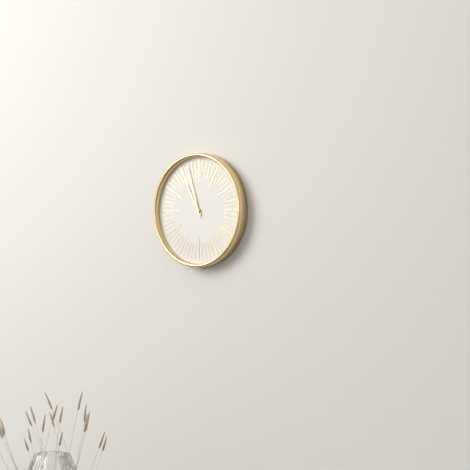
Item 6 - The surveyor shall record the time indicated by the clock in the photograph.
10:57
